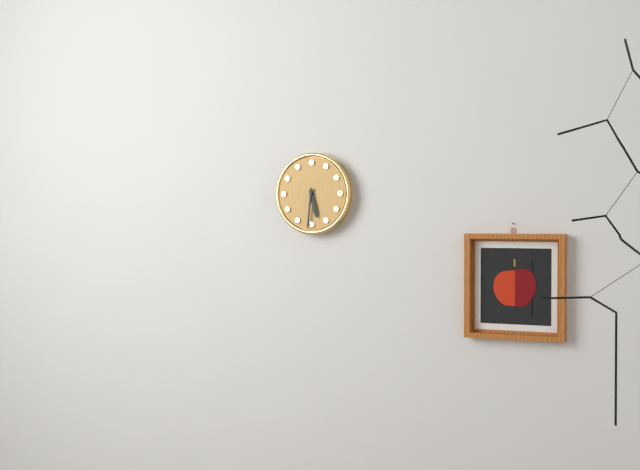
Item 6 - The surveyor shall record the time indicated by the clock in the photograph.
5:31
